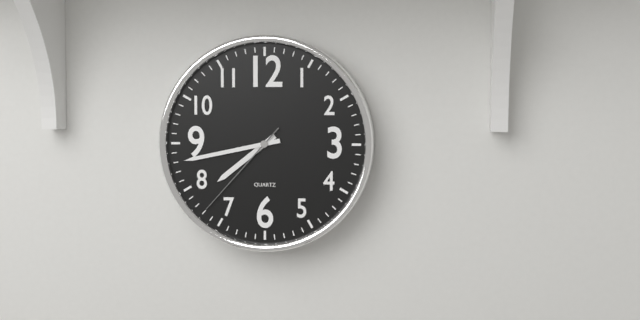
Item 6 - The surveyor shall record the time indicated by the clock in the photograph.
7:43:37
